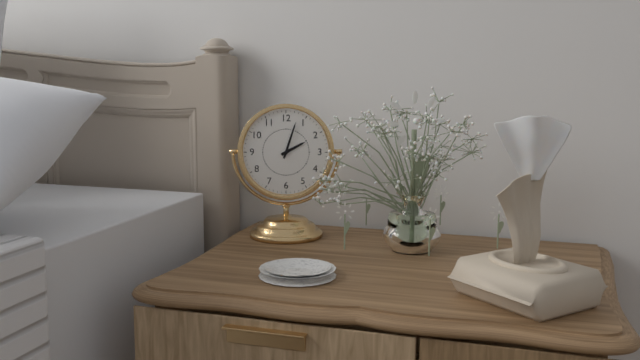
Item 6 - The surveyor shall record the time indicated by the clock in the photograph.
2:03
